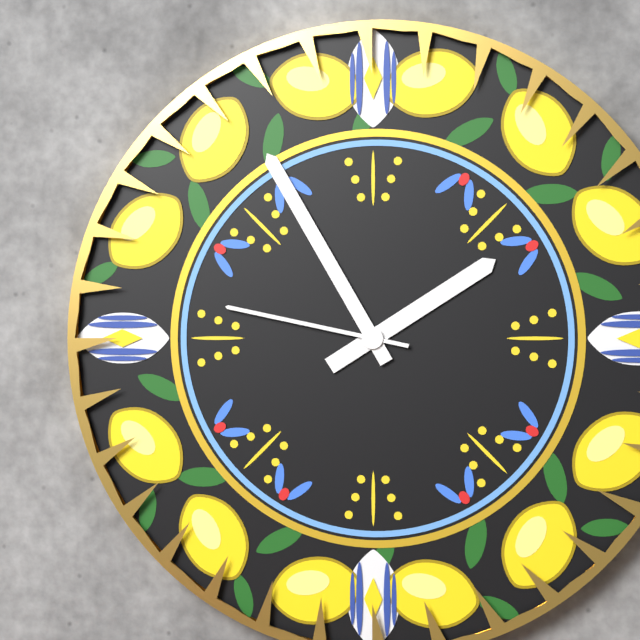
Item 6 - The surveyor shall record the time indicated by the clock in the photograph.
1:55:47
